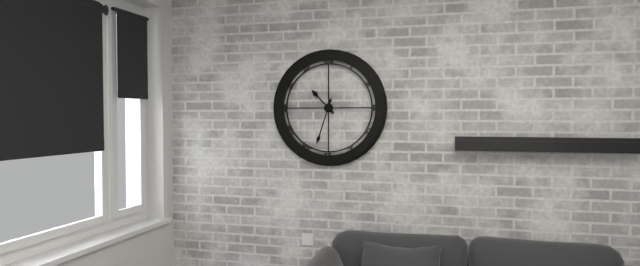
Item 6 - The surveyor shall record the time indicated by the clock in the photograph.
10:33
